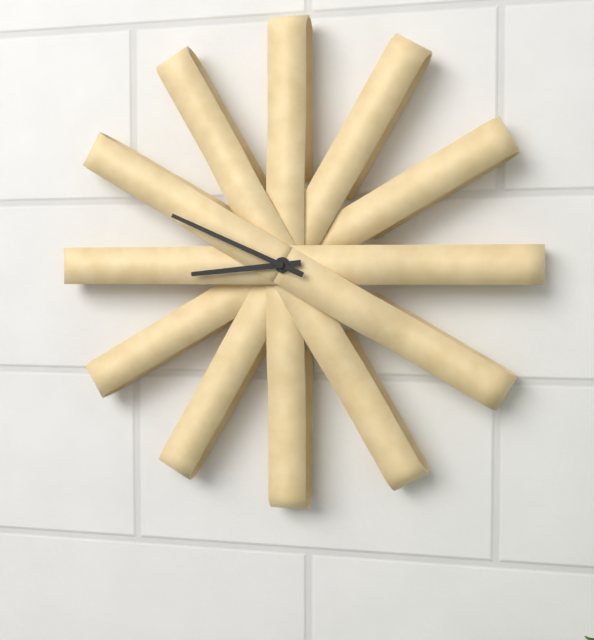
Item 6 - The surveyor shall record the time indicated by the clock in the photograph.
8:49
